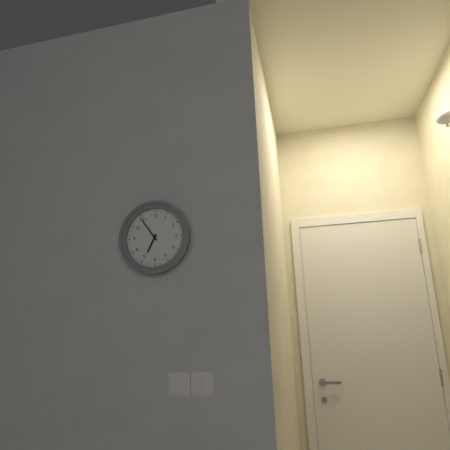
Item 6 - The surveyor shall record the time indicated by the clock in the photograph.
6:54
